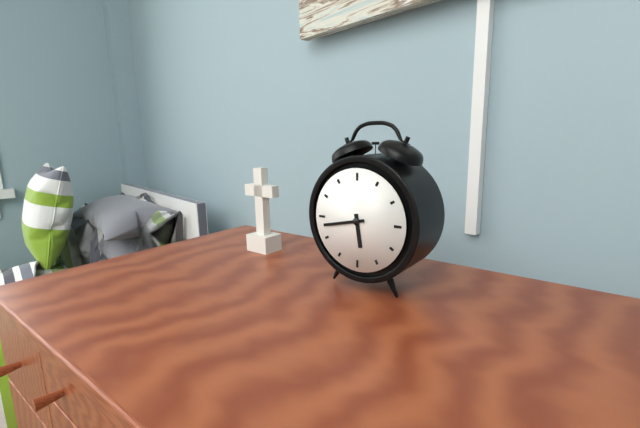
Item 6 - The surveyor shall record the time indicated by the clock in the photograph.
5:43
